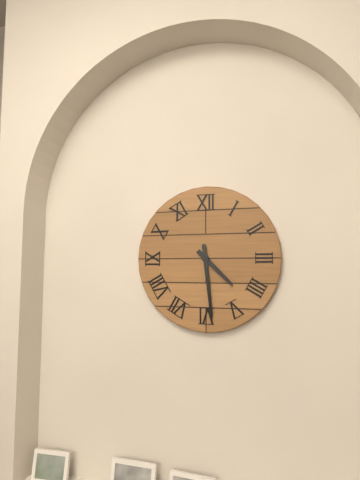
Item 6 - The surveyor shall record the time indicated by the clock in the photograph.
4:29
